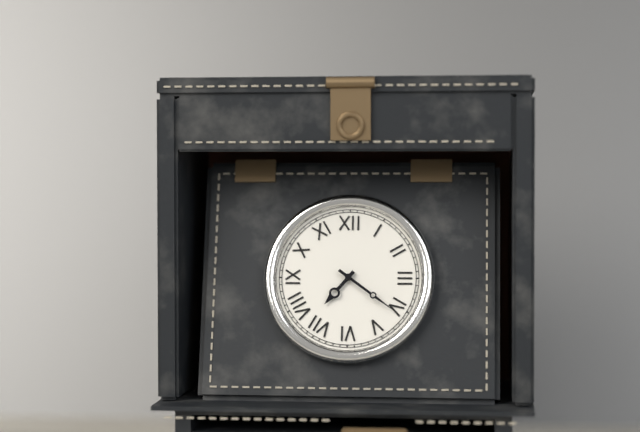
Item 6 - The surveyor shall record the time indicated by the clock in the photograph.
7:21
